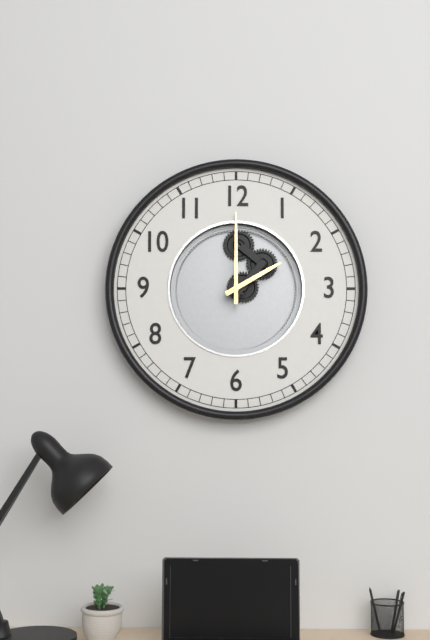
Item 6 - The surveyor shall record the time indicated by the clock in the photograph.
2:00
